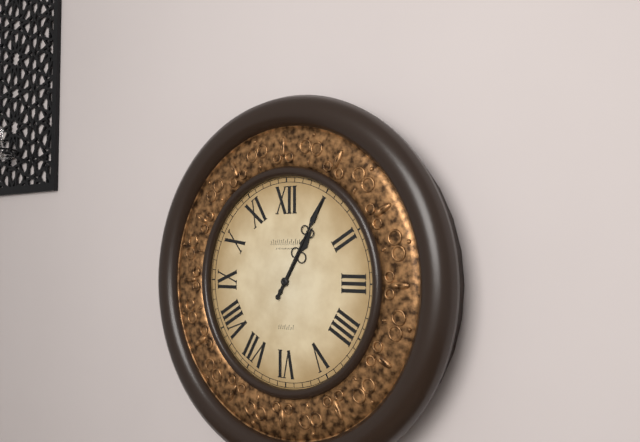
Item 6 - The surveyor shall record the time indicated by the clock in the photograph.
1:05
